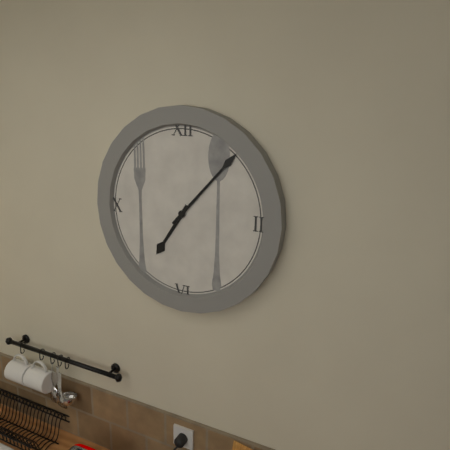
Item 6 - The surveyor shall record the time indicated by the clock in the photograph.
7:07
